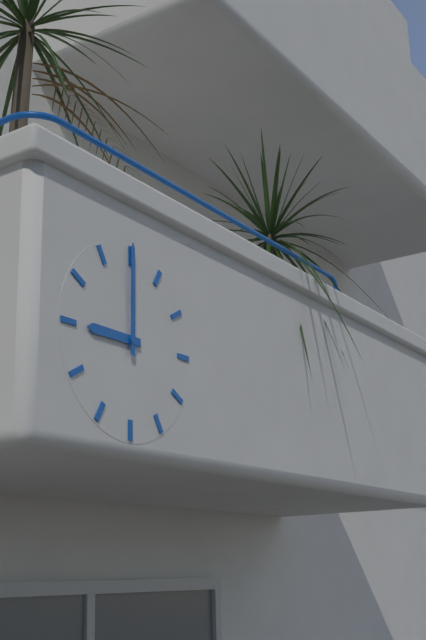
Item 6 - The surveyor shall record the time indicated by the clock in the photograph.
9:00
